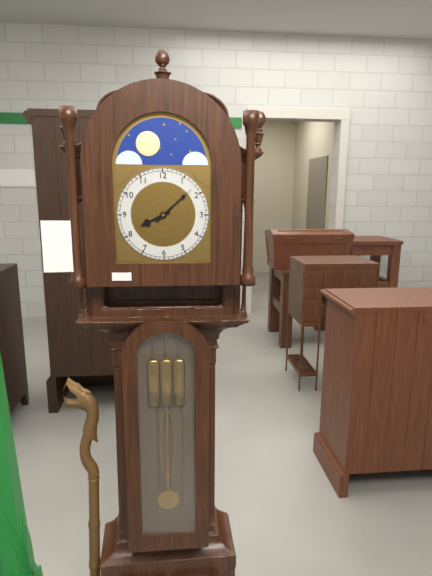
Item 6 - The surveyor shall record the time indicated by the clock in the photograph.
8:08
